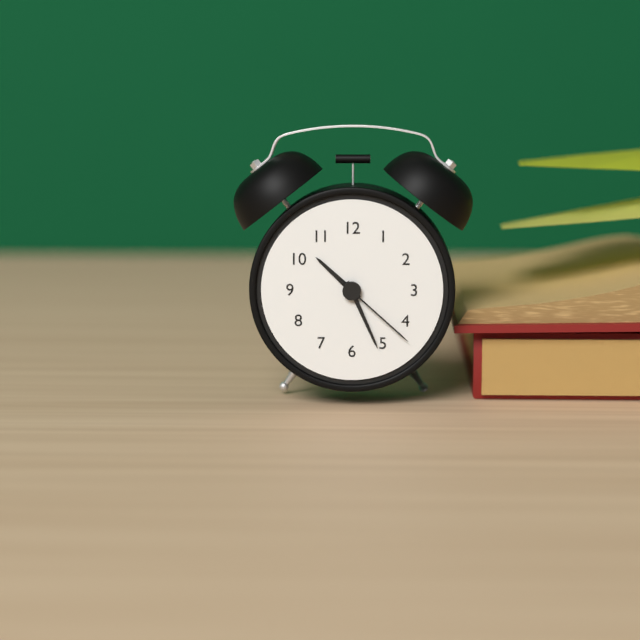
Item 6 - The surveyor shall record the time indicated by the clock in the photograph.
10:26:22
